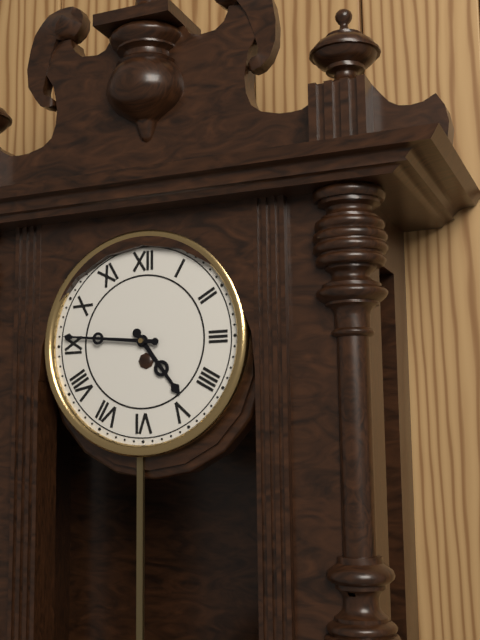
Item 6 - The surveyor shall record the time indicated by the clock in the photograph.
4:46
